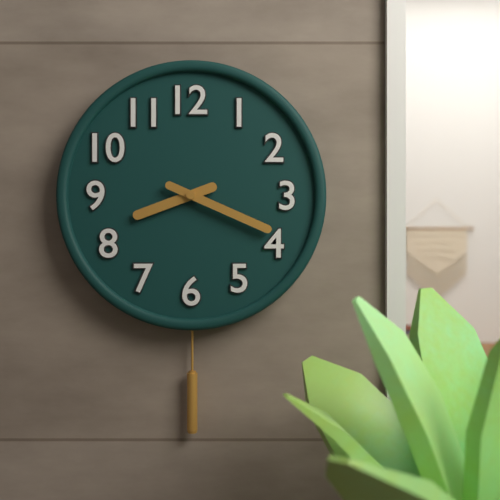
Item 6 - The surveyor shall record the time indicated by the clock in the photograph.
8:19
